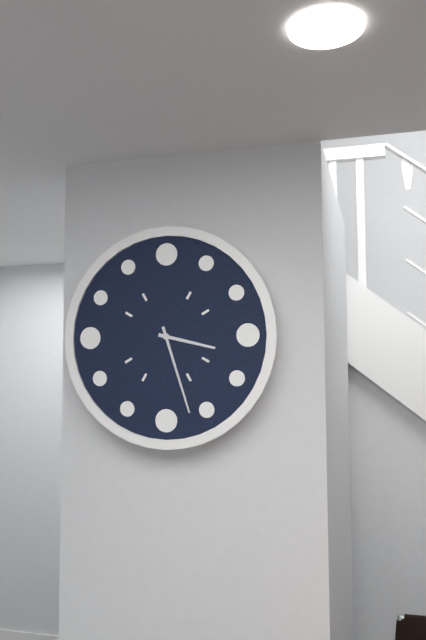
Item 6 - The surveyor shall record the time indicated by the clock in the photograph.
3:27
